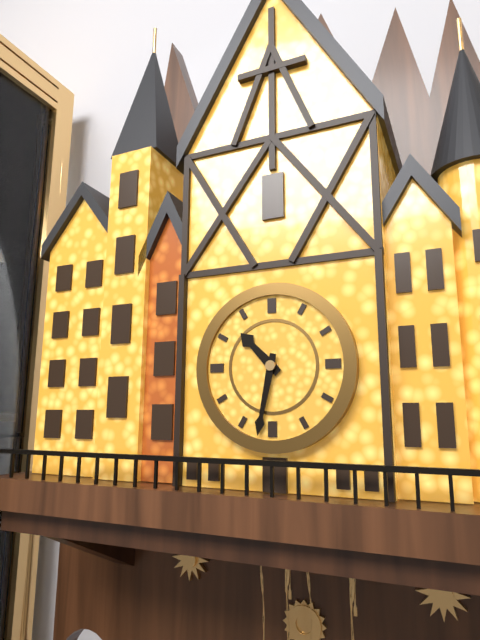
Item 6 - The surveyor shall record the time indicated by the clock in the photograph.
10:32
